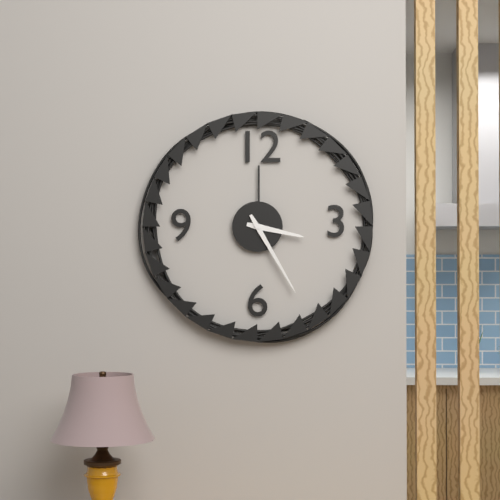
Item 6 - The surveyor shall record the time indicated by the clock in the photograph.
3:25
